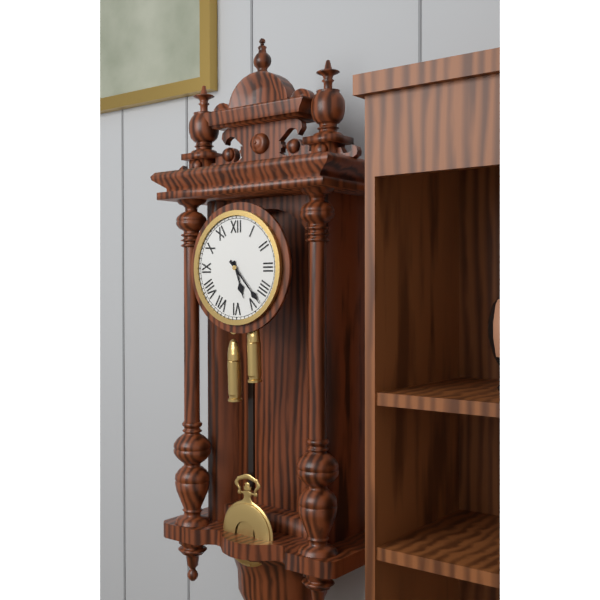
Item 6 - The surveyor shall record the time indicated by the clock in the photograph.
5:23
